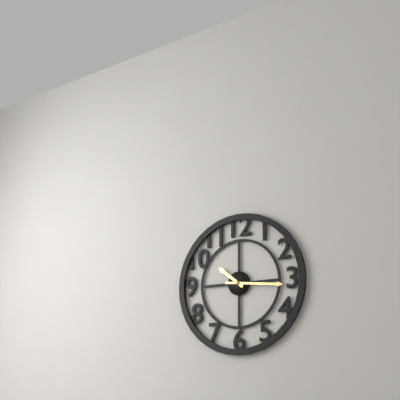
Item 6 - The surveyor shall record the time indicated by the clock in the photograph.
10:16
